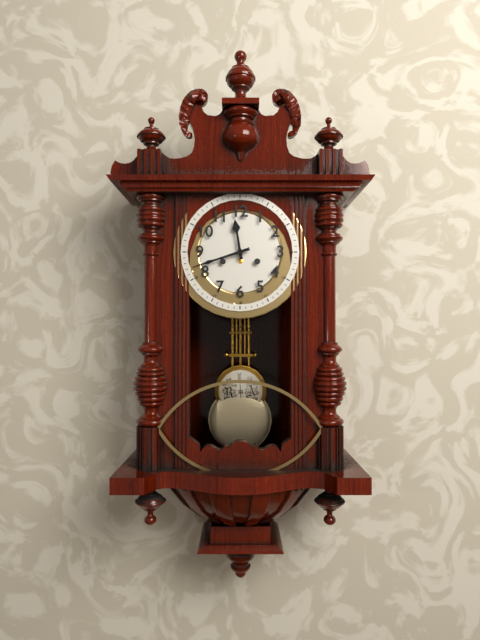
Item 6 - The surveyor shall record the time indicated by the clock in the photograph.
11:42
